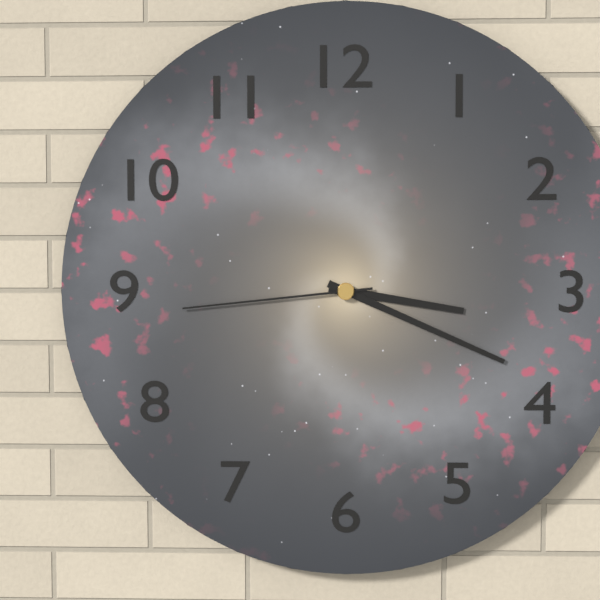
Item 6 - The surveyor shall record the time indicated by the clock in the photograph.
3:19:44
